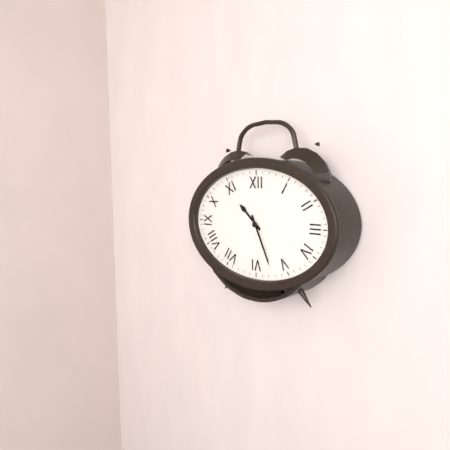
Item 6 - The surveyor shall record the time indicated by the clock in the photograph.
10:26
